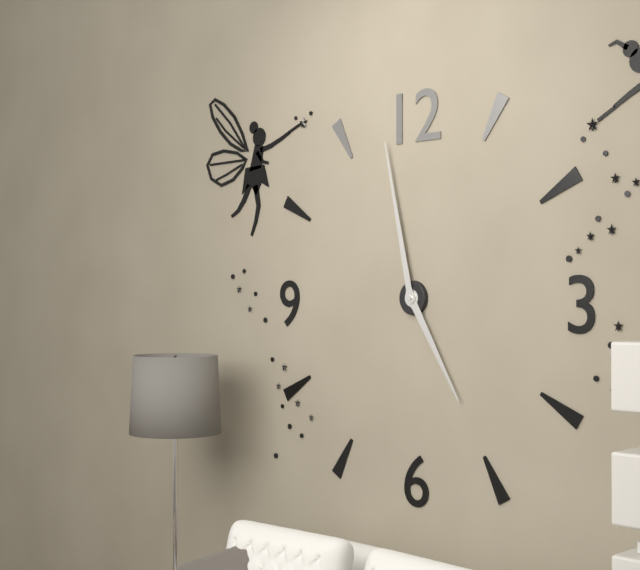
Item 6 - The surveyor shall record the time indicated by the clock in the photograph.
4:58
